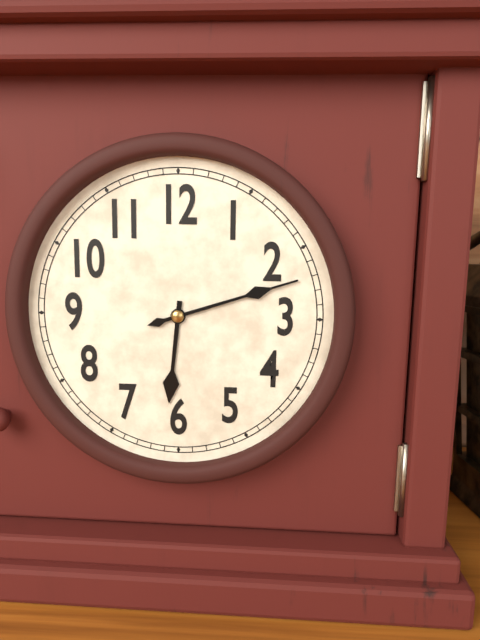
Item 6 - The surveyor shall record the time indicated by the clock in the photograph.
6:12
